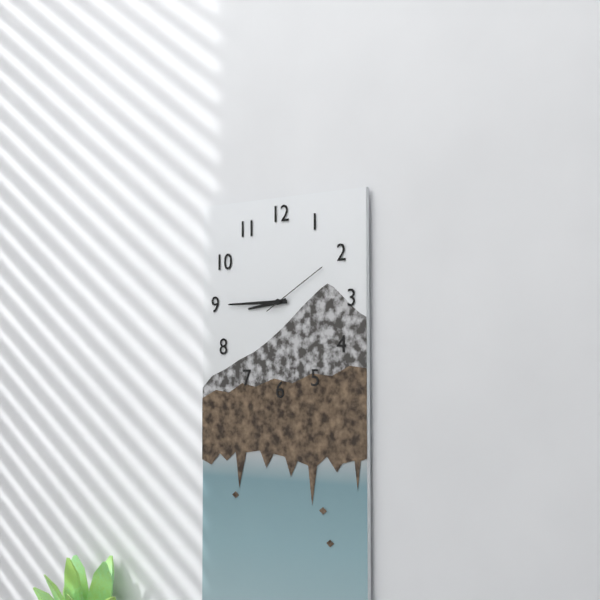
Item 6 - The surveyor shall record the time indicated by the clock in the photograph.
8:45:10
